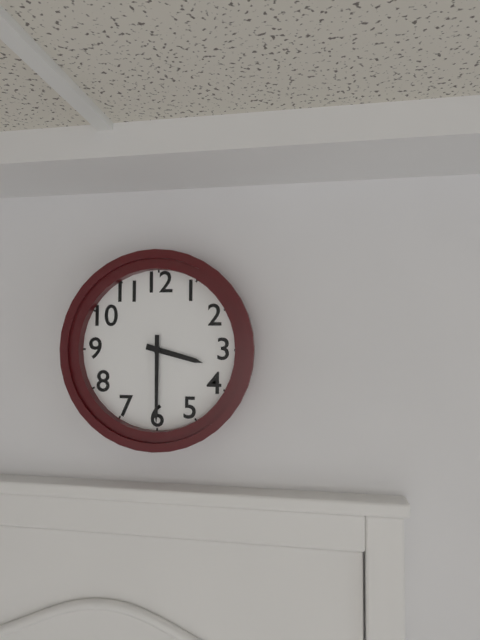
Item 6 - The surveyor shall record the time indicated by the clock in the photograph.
3:30
